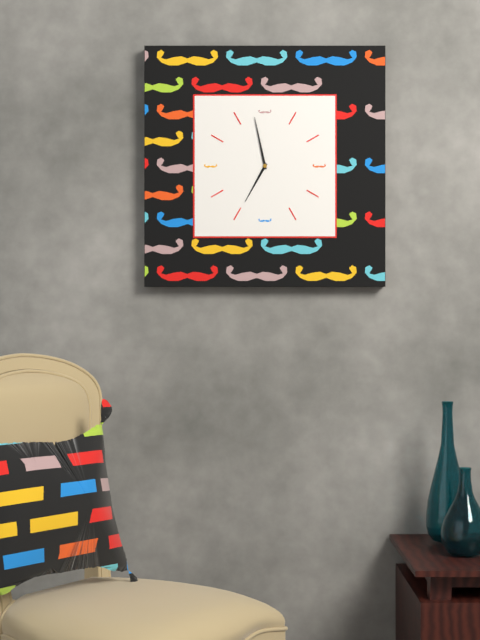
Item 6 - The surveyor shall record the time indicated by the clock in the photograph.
6:58
